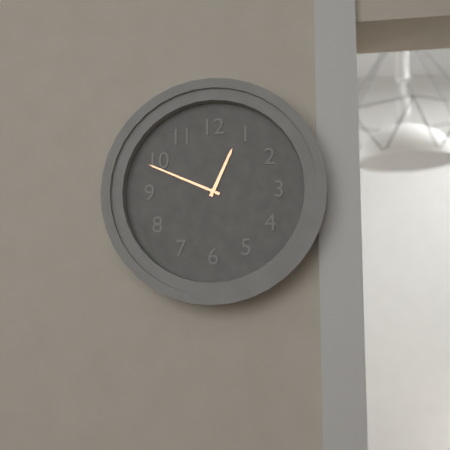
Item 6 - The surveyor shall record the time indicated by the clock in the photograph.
12:49
